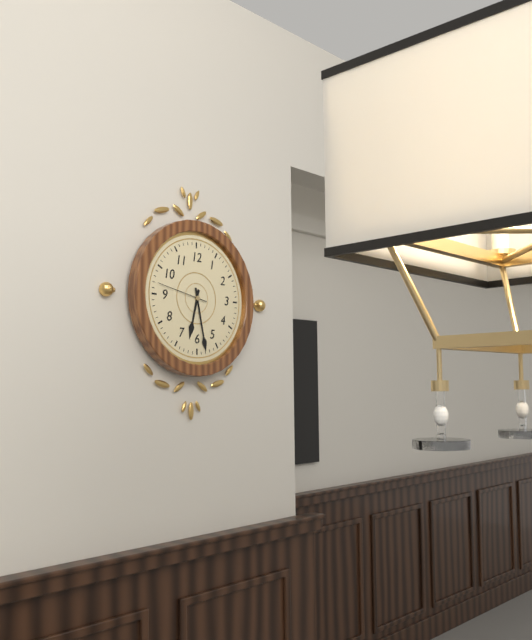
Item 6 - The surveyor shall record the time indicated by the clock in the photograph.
6:28:47
